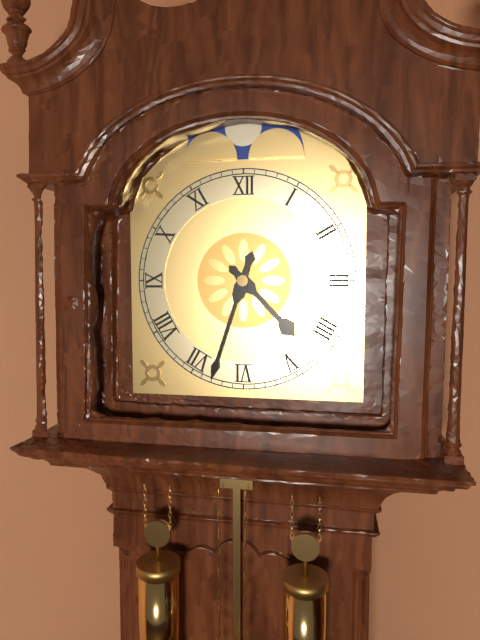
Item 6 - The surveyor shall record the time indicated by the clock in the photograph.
4:33
